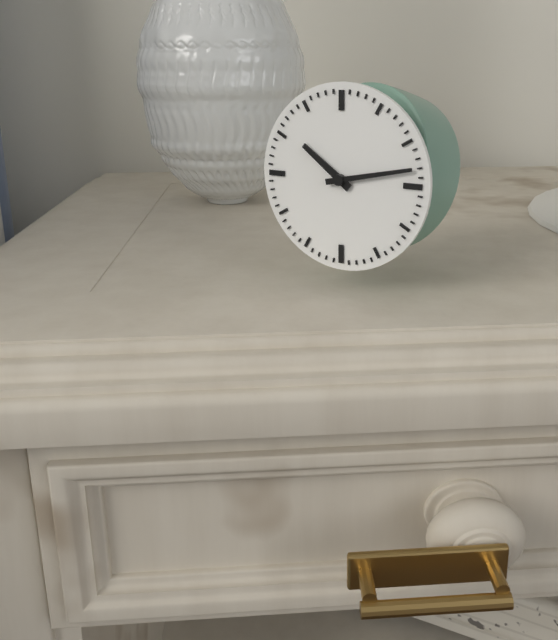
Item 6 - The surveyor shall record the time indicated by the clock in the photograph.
10:13
